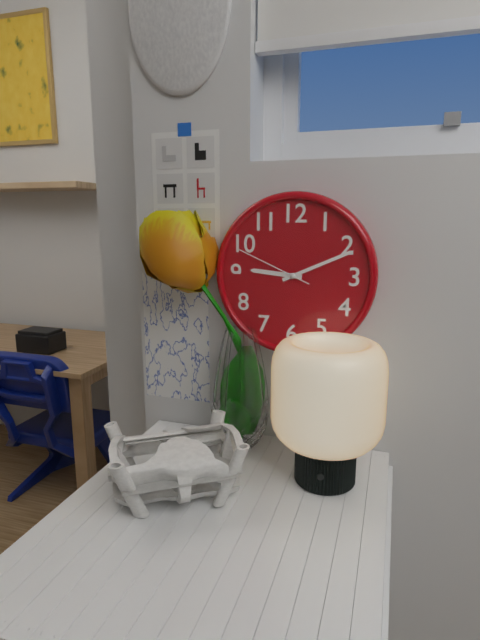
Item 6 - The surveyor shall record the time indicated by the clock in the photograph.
9:11:49
